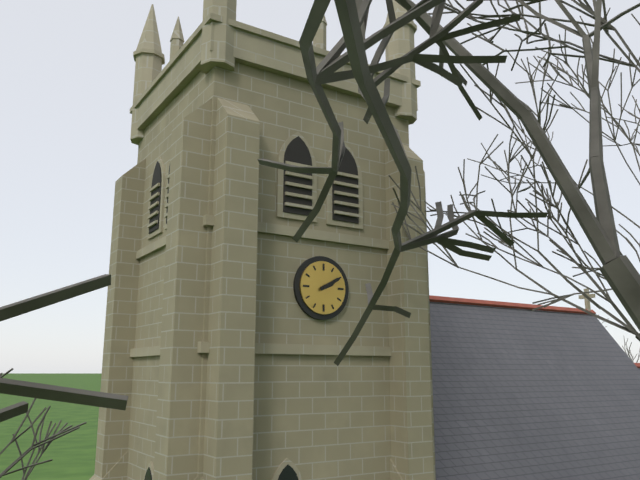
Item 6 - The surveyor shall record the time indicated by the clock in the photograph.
2:10
